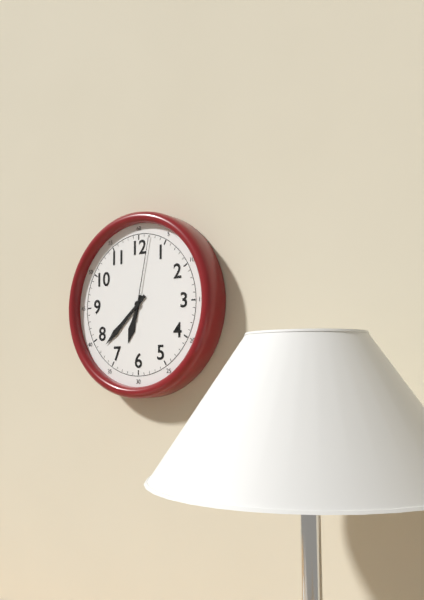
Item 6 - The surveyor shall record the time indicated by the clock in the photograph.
6:38:02
